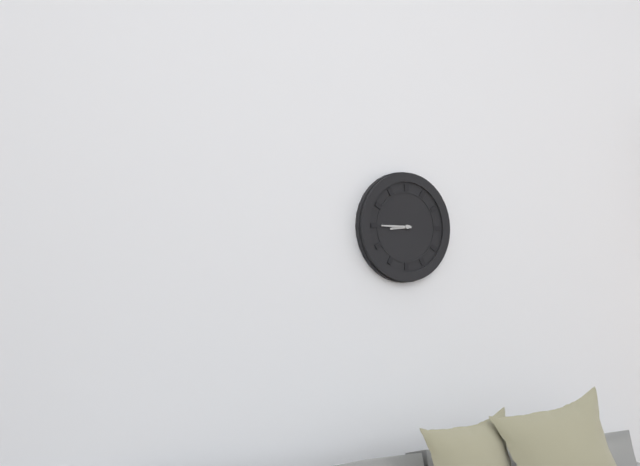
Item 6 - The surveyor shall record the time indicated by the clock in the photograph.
8:45
